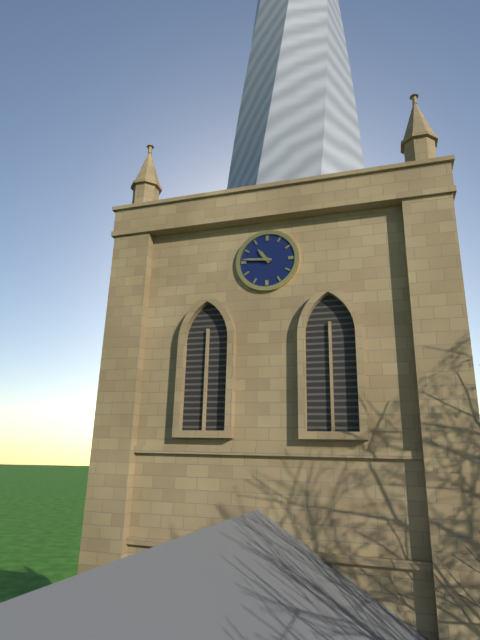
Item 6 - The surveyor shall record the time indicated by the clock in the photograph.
10:46
